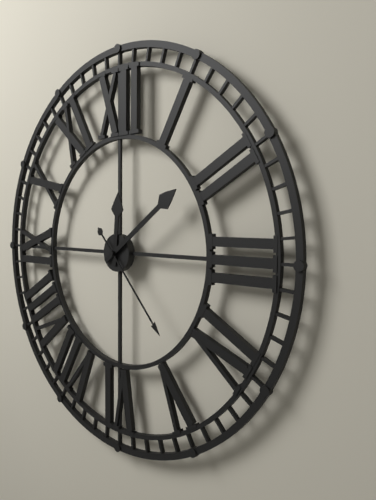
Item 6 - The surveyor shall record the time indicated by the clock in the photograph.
12:09:23
